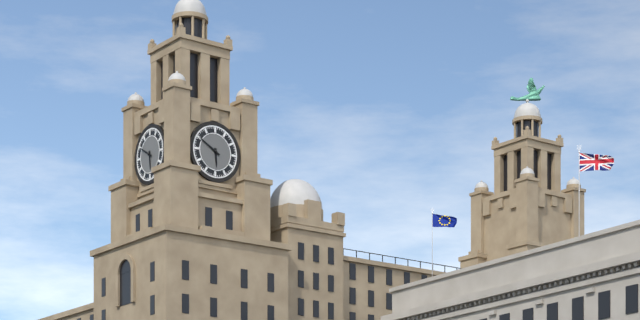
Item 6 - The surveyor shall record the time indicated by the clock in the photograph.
5:50
